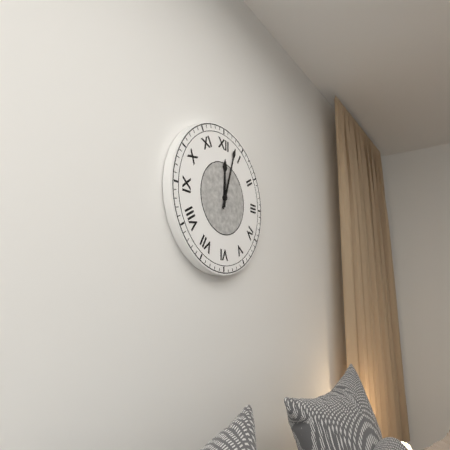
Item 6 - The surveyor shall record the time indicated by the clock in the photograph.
12:03
